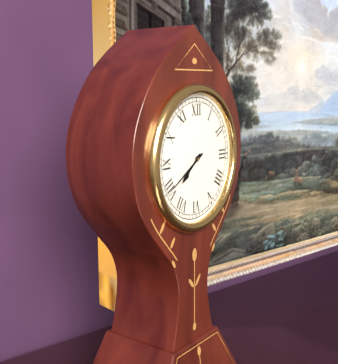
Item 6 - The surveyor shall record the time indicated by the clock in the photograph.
7:40
